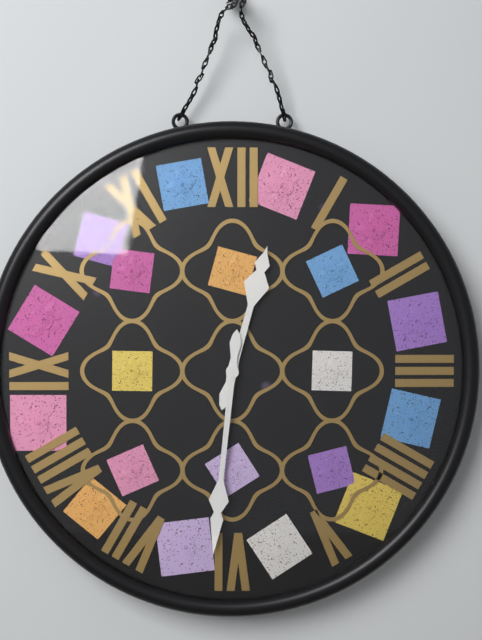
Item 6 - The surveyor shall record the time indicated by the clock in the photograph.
12:31
